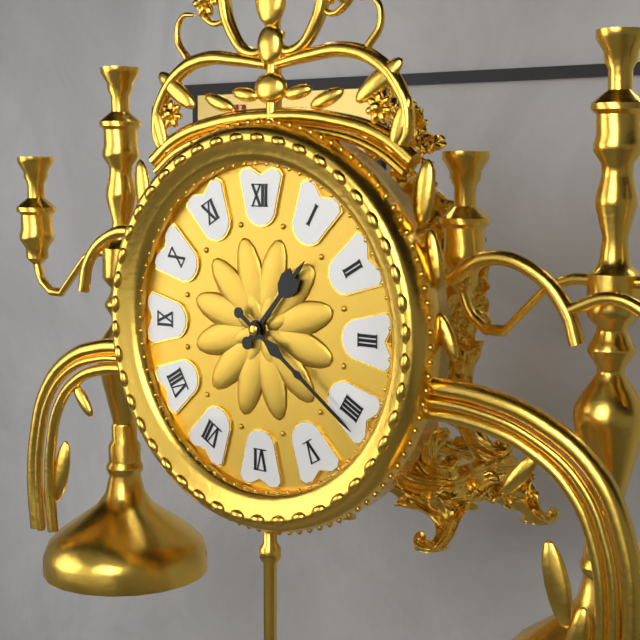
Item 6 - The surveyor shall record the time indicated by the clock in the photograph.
1:21
